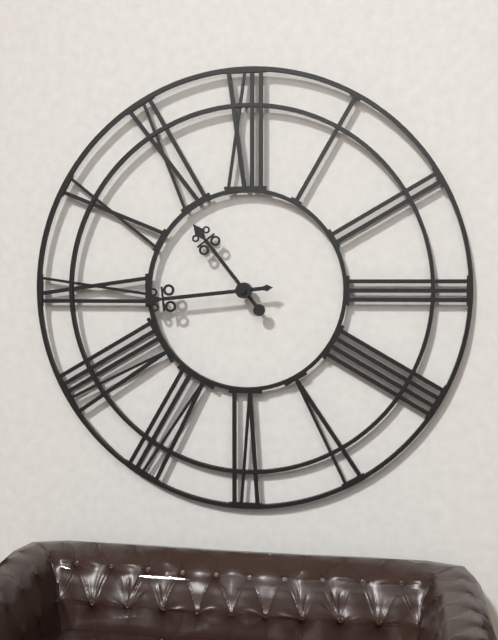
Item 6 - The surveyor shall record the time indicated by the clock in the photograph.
10:44
